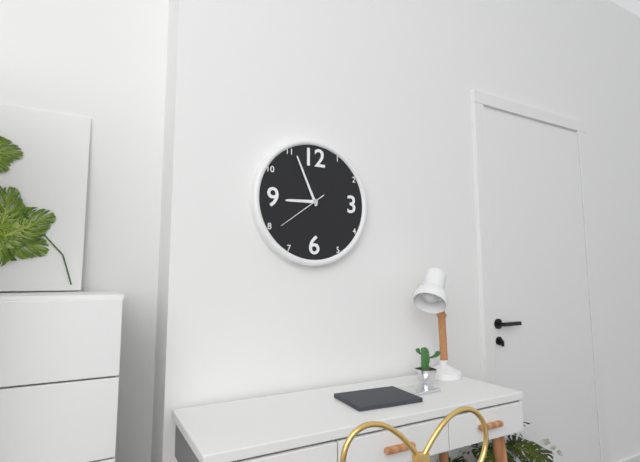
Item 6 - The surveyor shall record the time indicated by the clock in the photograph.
8:56:39
